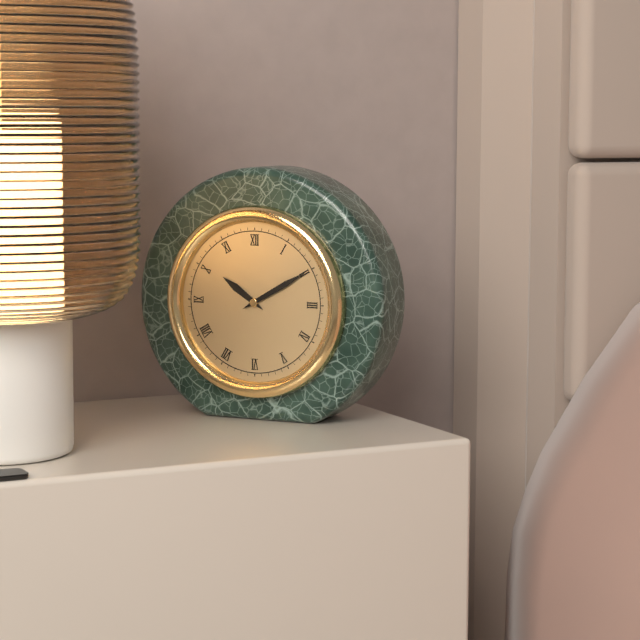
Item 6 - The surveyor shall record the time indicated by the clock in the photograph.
10:10
